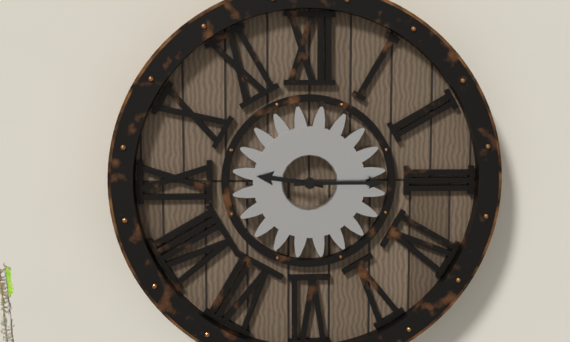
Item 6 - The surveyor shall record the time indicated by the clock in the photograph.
9:15
